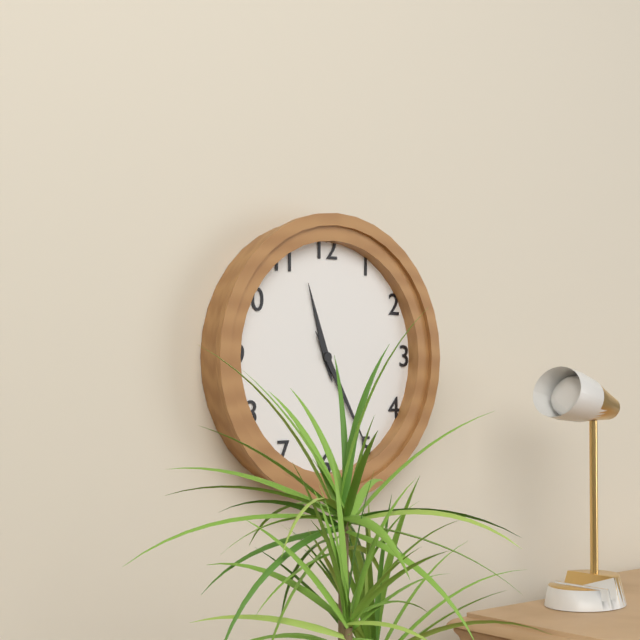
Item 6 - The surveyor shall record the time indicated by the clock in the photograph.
11:25
